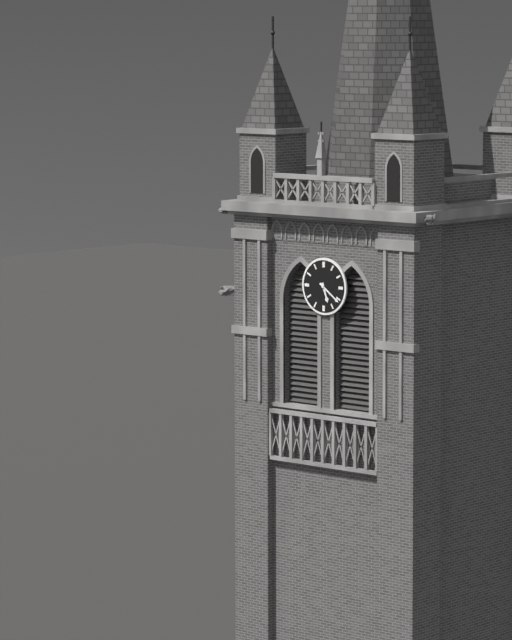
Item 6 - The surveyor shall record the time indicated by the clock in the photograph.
5:21
